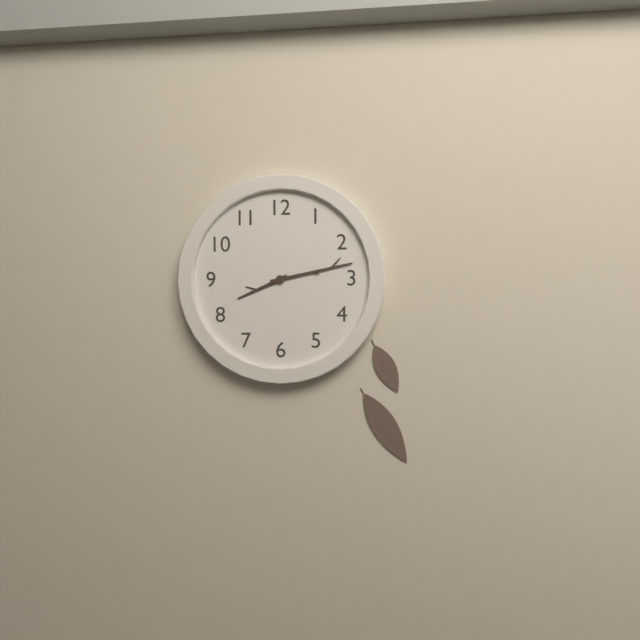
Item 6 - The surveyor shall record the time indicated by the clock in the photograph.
8:13
